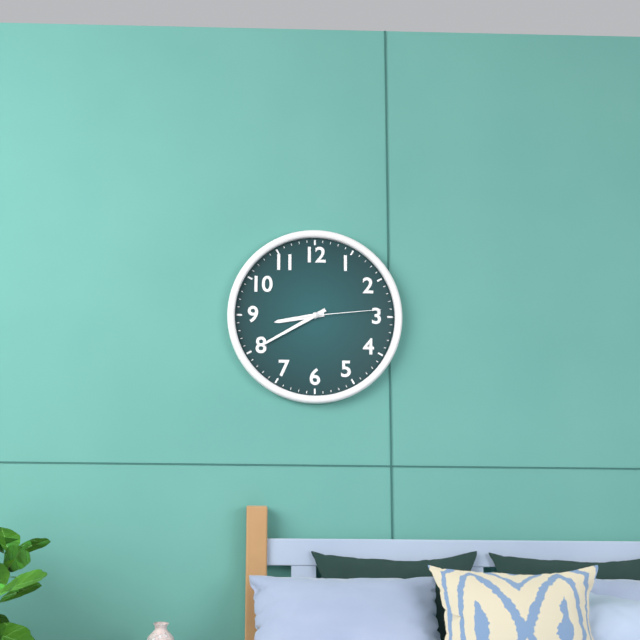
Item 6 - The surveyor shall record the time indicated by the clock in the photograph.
8:40:14
